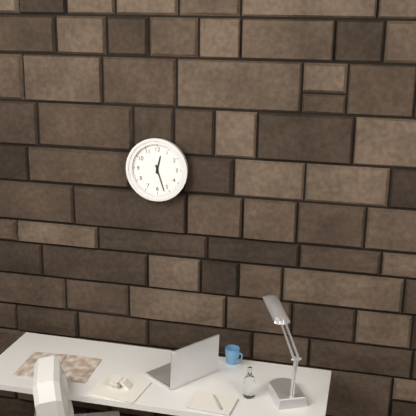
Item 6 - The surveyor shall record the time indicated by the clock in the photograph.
12:27
